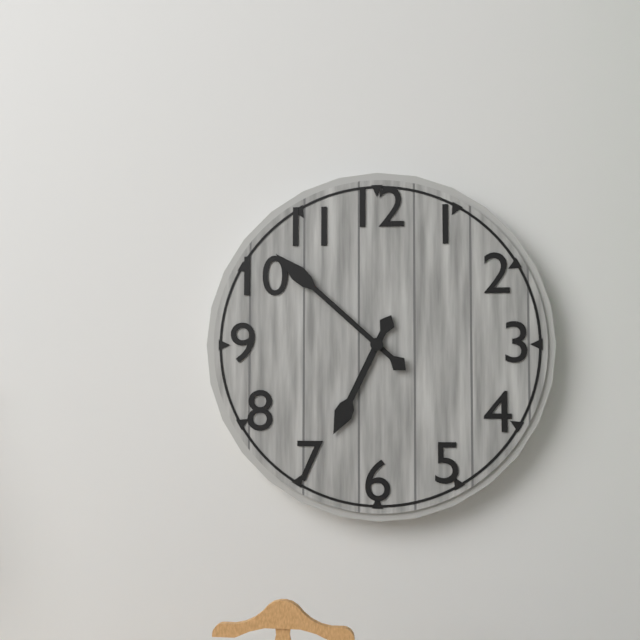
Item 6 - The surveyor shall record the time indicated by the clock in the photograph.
6:52
